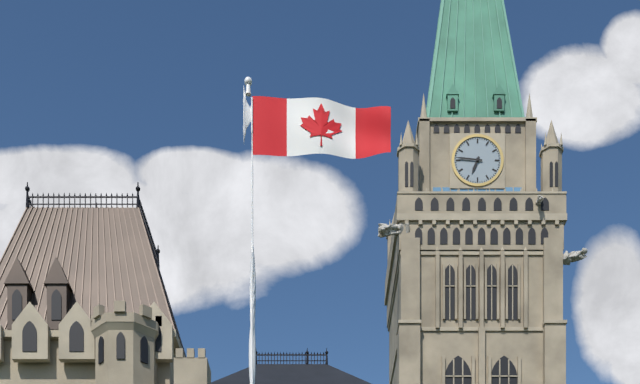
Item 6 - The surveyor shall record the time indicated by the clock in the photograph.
6:46
